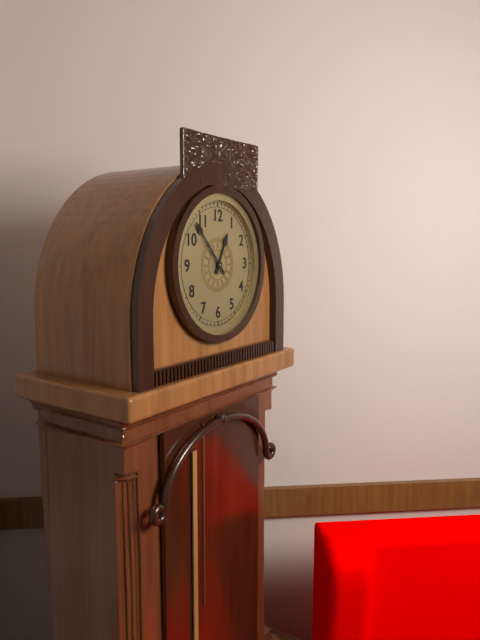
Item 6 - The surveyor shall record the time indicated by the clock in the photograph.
12:53
